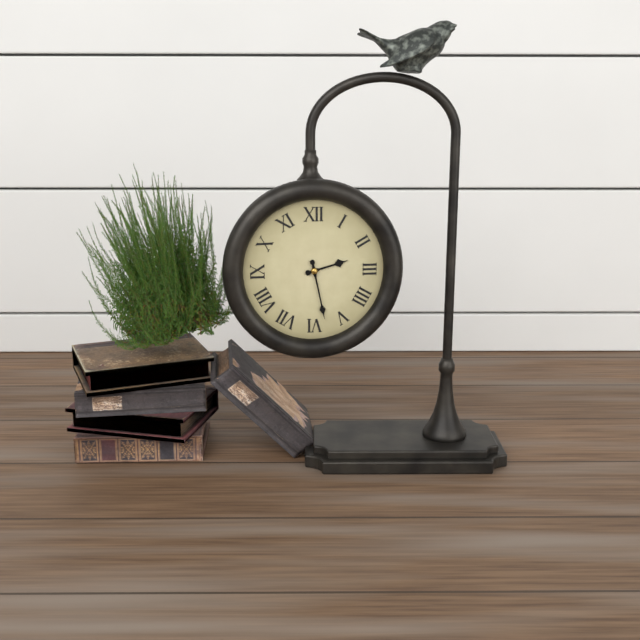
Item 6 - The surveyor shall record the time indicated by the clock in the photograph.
2:28
